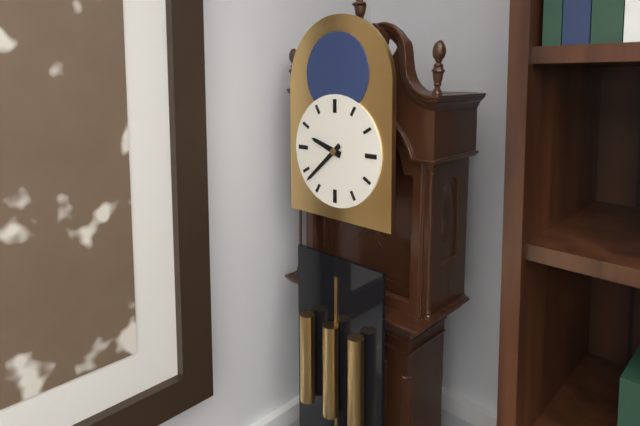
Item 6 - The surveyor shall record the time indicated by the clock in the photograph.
9:38
